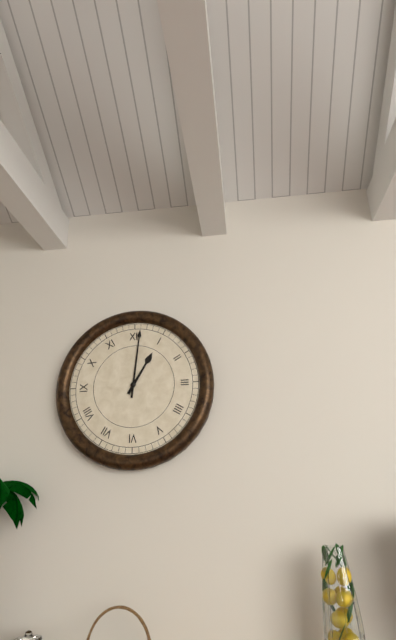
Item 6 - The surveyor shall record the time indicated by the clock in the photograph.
1:01
